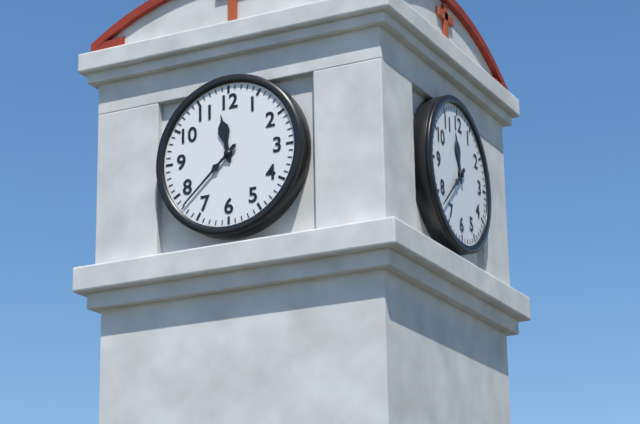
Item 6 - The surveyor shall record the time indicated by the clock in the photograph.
11:38
